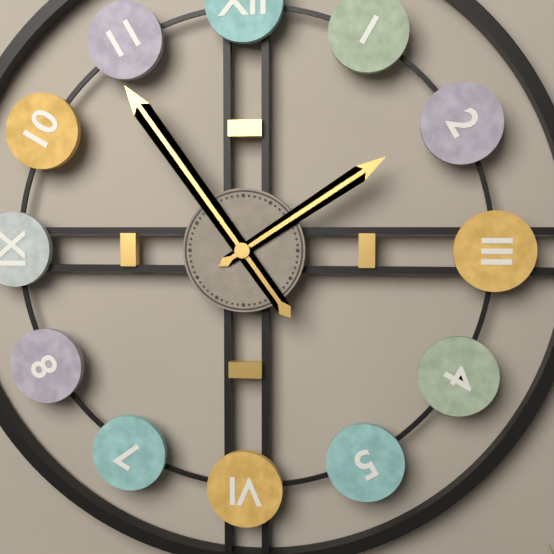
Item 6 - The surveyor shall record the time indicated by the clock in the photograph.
1:54
